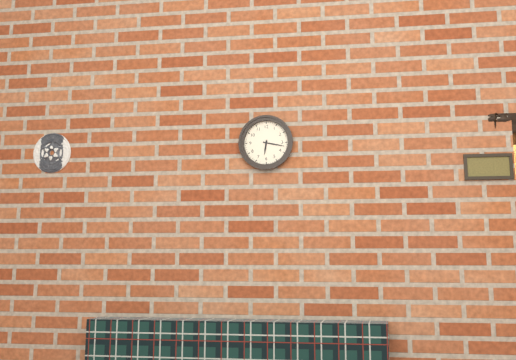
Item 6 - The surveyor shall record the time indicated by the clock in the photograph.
6:17
